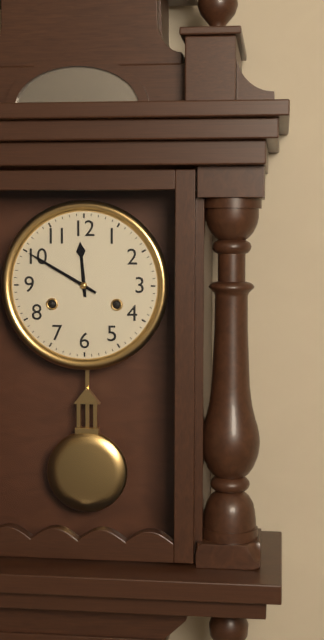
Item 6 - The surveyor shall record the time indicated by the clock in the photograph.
11:50
